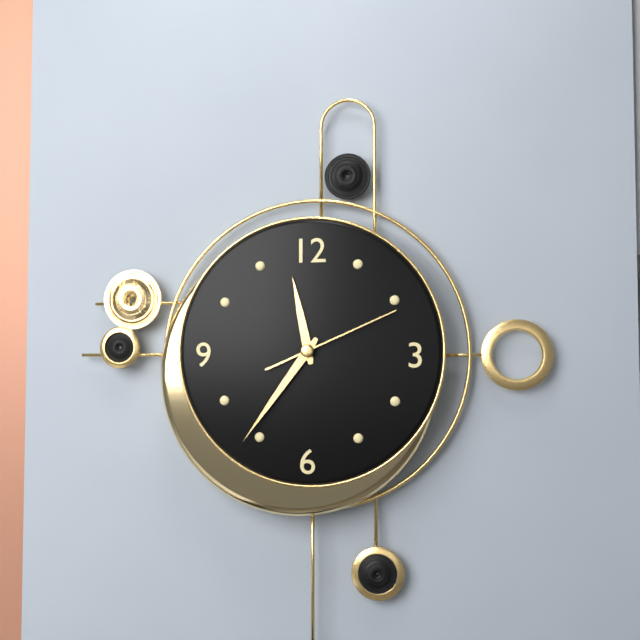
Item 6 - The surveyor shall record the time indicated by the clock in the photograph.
11:36:11
